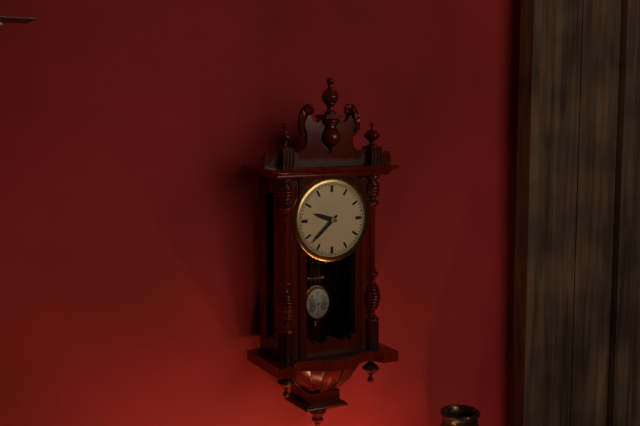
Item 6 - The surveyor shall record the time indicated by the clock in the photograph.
9:38
